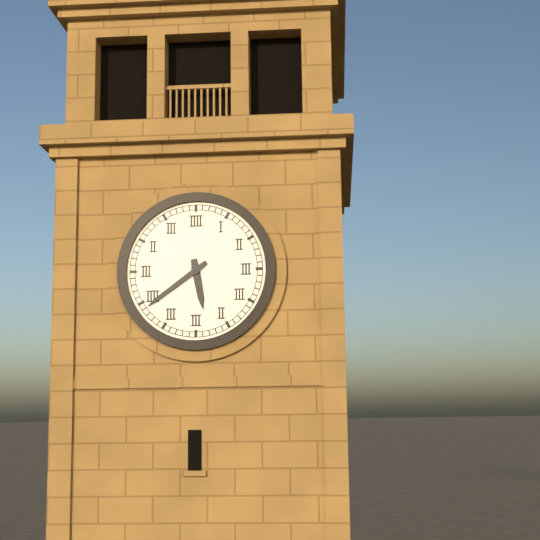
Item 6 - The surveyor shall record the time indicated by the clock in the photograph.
5:39
